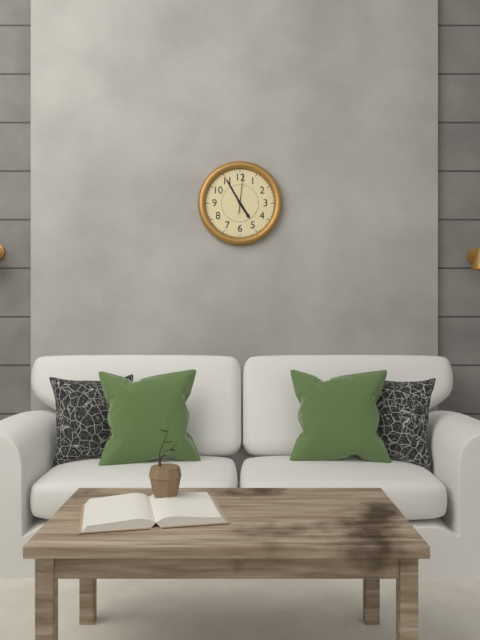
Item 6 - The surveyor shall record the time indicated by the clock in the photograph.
4:55
